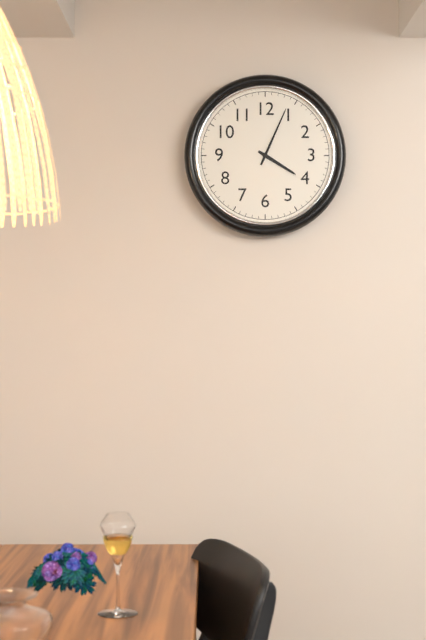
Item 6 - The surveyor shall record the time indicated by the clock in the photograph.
4:04
